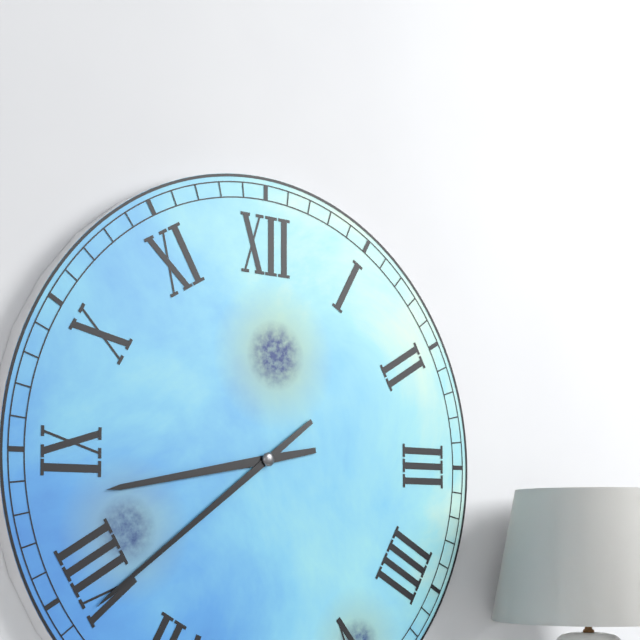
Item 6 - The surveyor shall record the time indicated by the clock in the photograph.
8:39
